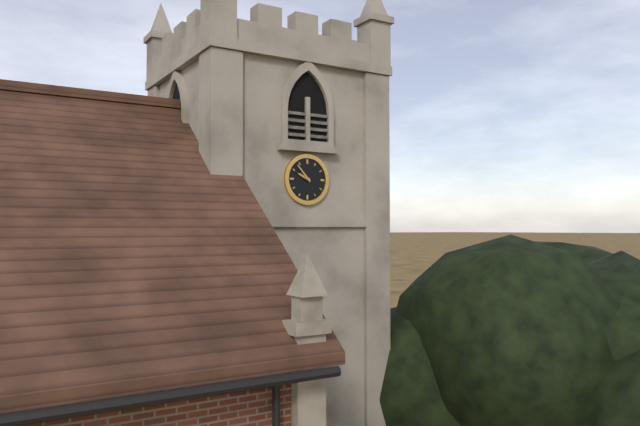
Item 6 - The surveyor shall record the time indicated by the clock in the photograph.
9:53
